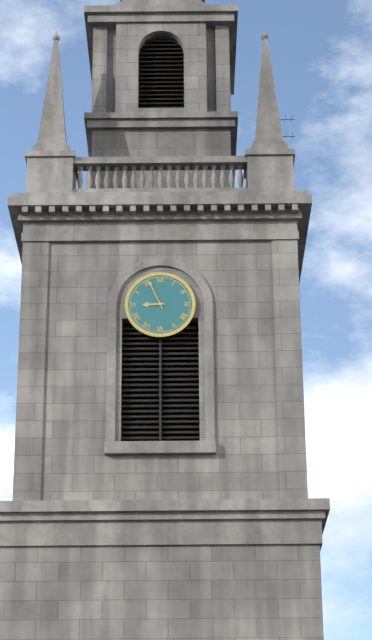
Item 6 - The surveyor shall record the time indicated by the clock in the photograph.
8:56
